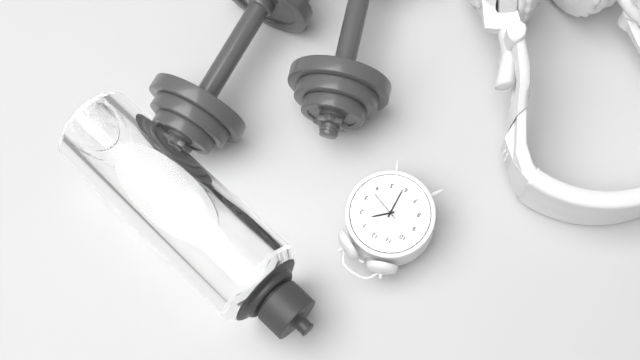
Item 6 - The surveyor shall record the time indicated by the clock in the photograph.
1:29
